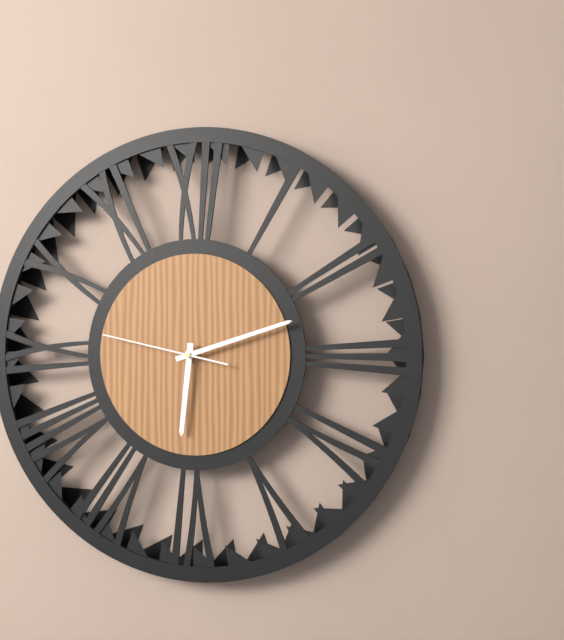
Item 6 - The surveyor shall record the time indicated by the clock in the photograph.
6:12:47
